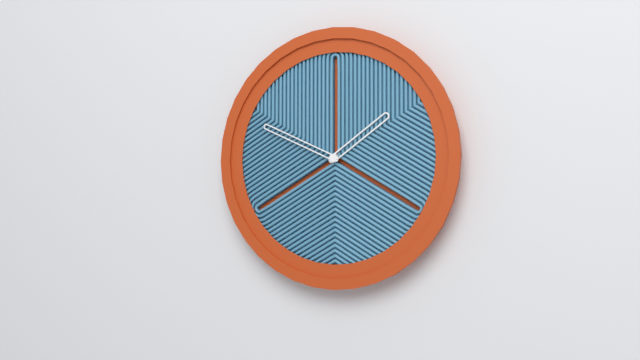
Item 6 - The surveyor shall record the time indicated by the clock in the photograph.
1:49
